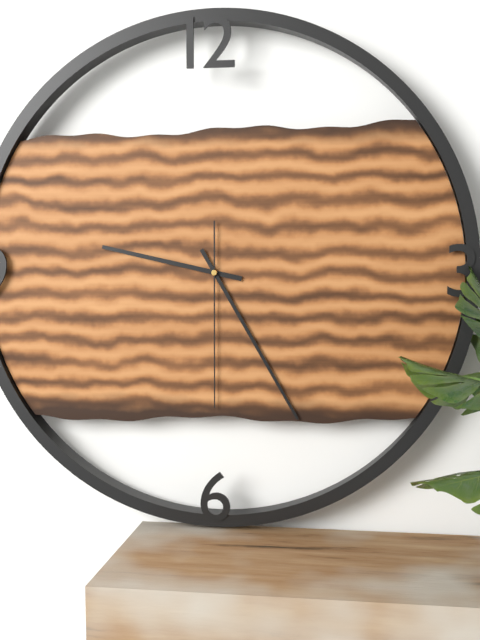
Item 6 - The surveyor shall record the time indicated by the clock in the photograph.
9:25:30
